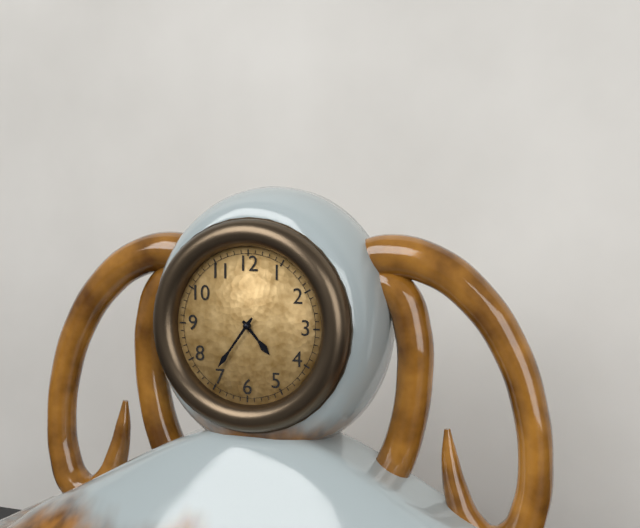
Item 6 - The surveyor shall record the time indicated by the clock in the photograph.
4:36
